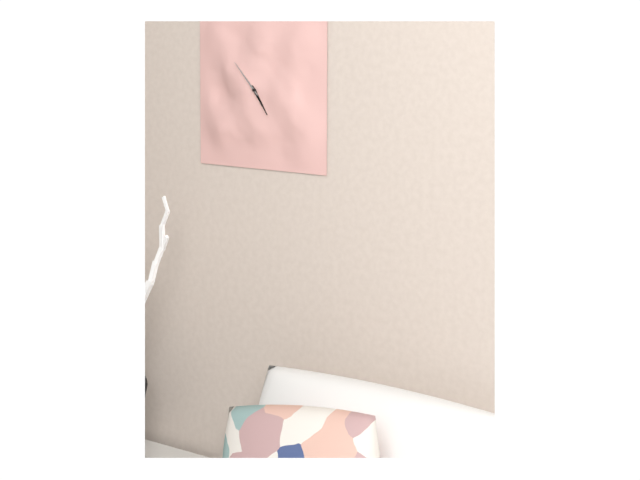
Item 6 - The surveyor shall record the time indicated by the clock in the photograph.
4:53
